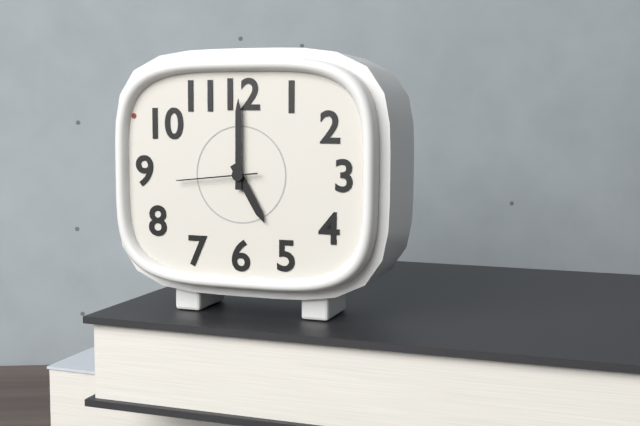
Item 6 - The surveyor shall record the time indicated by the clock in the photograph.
5:00:44
